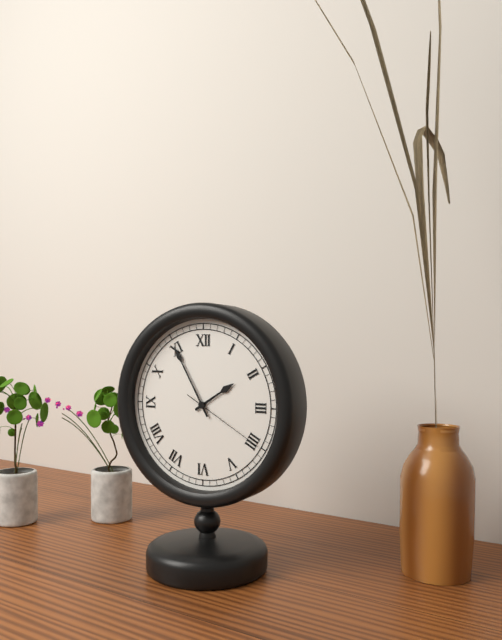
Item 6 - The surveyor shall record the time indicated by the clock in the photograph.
1:55:20
